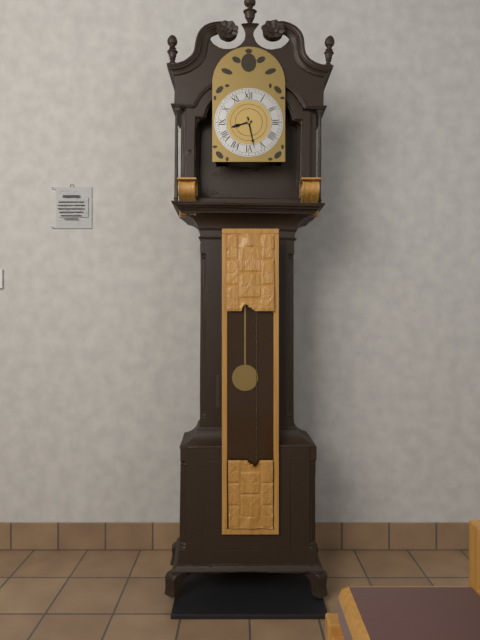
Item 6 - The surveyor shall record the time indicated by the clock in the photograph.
8:28
